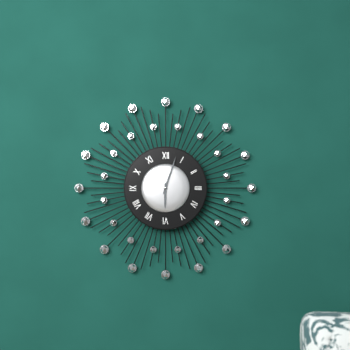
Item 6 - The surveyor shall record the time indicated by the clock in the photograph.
6:03
